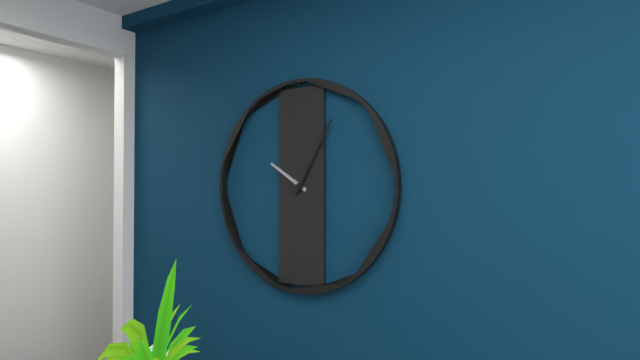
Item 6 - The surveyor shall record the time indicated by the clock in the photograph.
10:05
